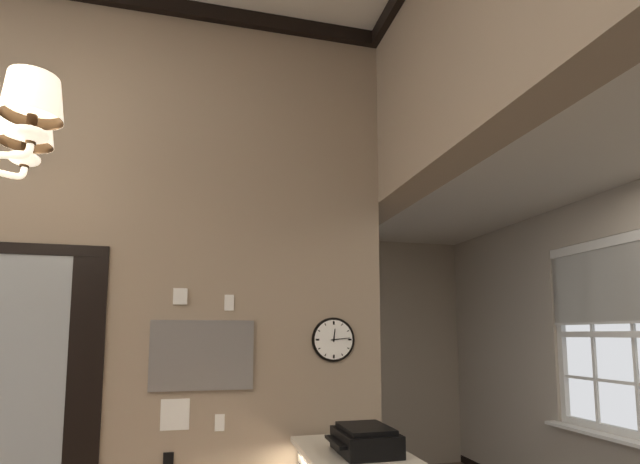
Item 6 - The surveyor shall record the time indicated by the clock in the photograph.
12:14
